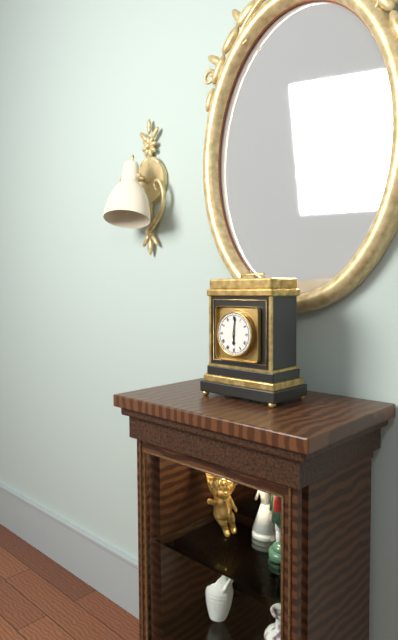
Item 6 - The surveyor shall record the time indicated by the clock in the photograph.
6:01
